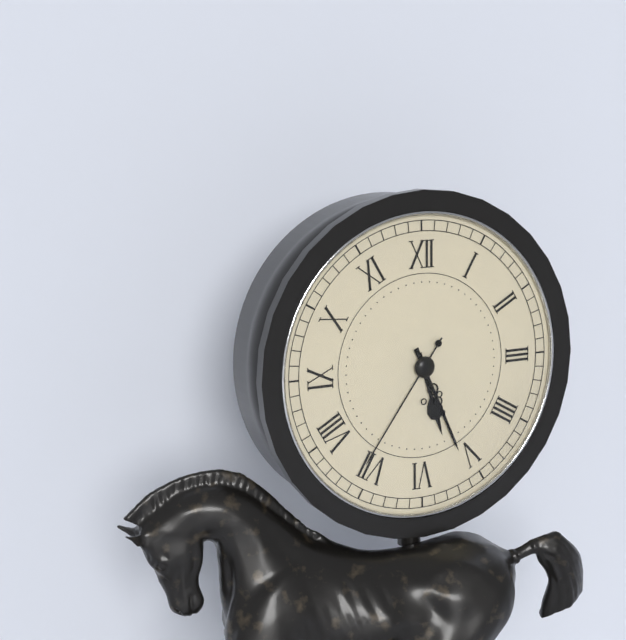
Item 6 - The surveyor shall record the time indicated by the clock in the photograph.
5:26:36
